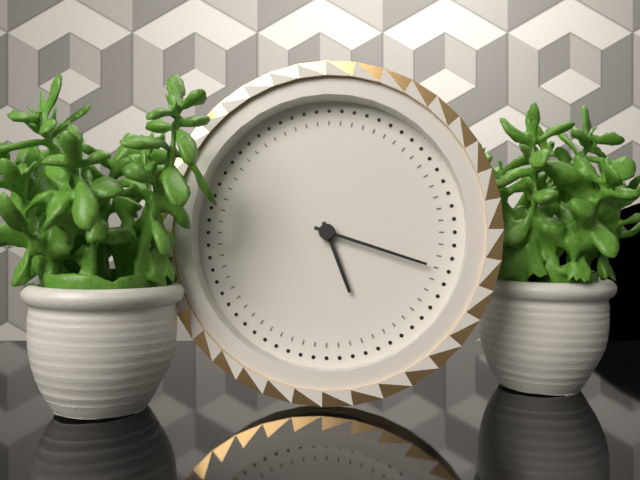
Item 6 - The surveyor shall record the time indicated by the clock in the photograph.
5:18
